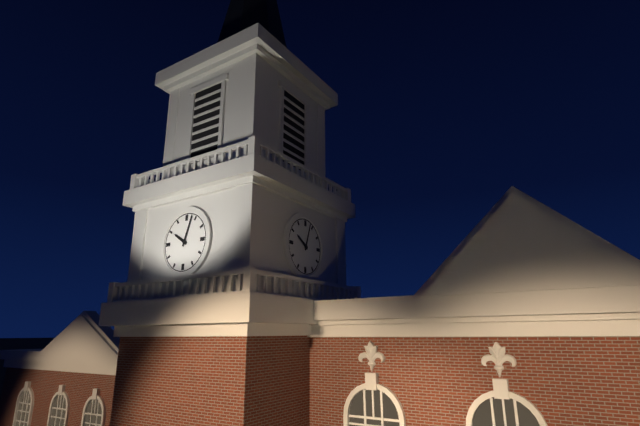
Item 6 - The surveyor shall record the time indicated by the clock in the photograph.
10:03
